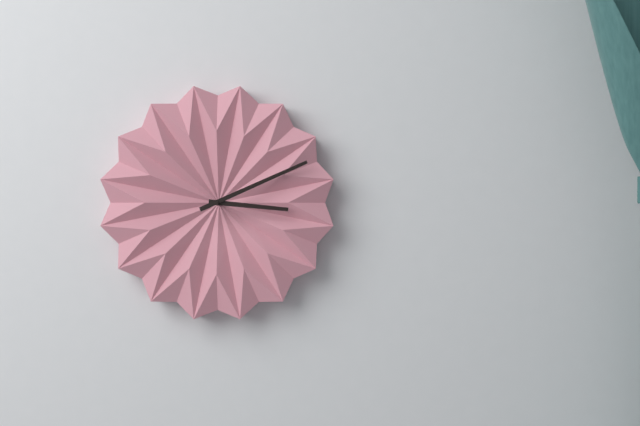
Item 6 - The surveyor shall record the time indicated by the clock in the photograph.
3:11
